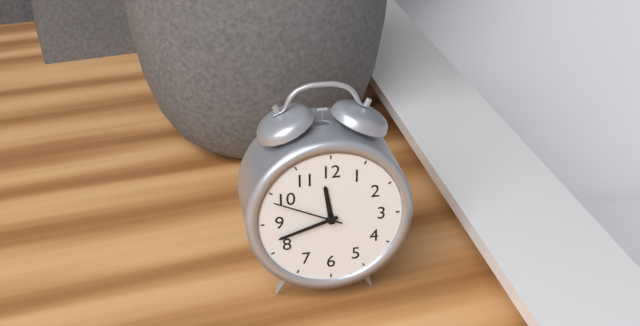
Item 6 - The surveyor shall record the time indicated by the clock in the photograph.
11:42:49
